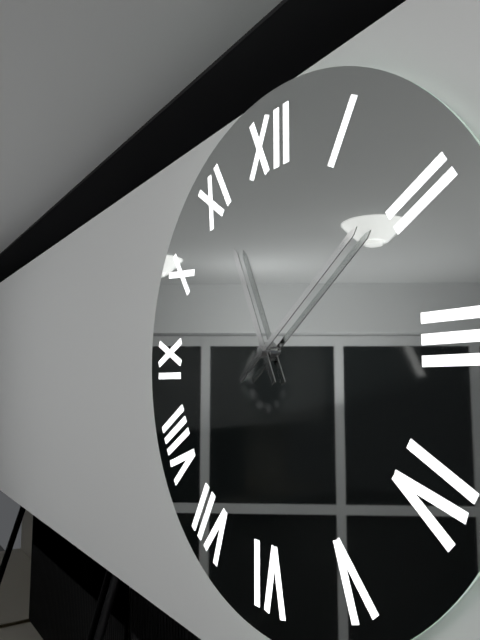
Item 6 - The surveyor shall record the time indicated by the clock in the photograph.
11:09
